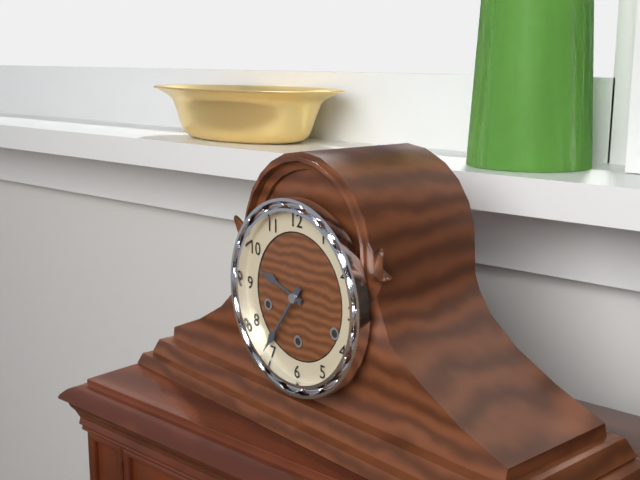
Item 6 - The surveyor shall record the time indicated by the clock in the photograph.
9:36
